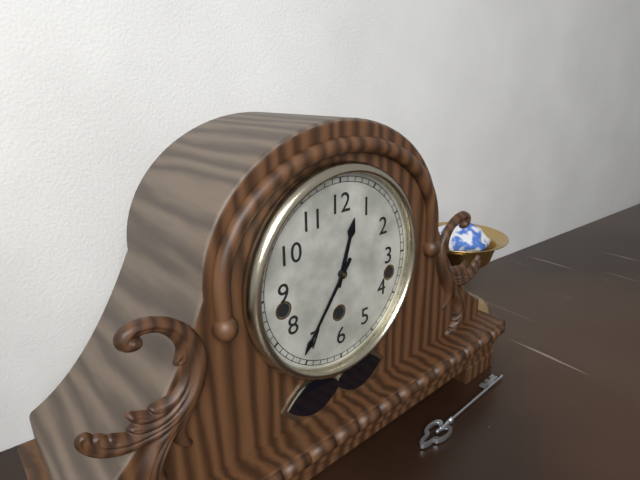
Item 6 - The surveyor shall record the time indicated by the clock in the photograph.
12:36
